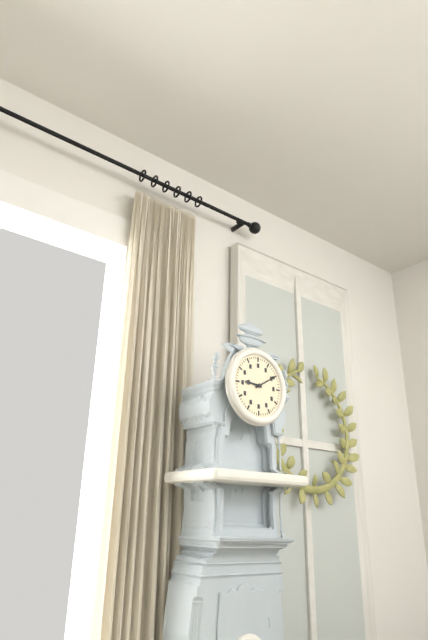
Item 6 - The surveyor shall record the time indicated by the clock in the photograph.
9:10
